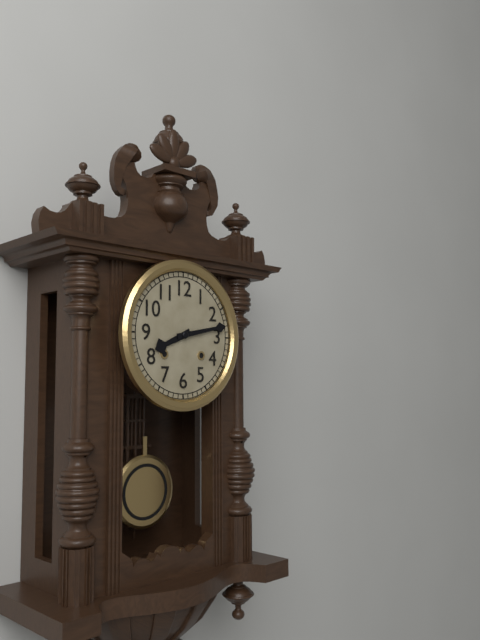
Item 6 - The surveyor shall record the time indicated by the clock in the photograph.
8:13
